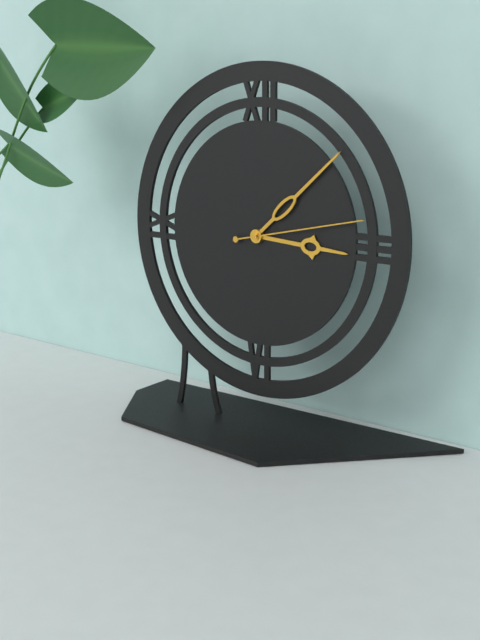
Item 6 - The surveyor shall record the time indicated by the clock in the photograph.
3:08:13
